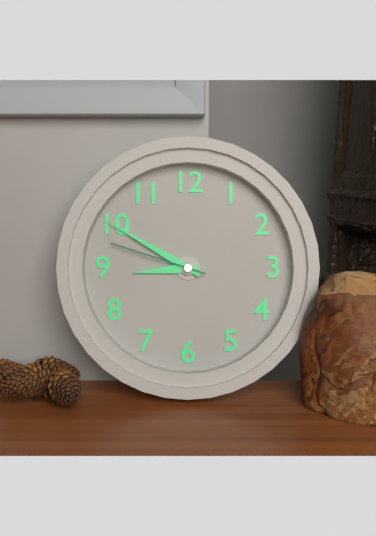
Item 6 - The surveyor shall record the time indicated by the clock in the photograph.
8:50:48
